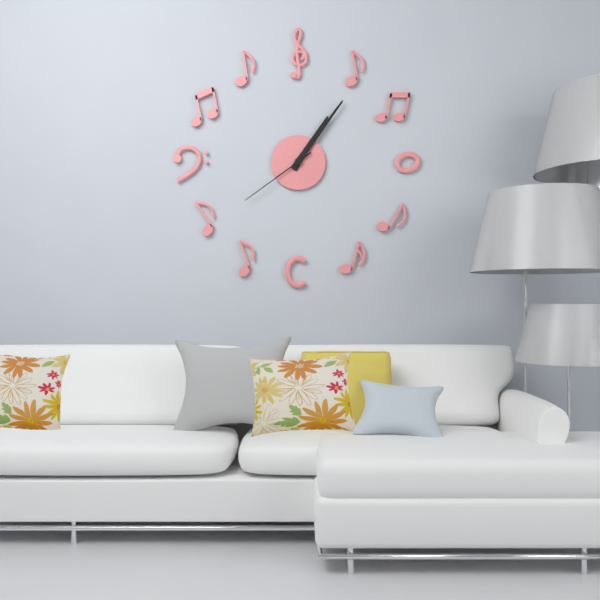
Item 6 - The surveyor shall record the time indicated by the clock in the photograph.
1:06:39
